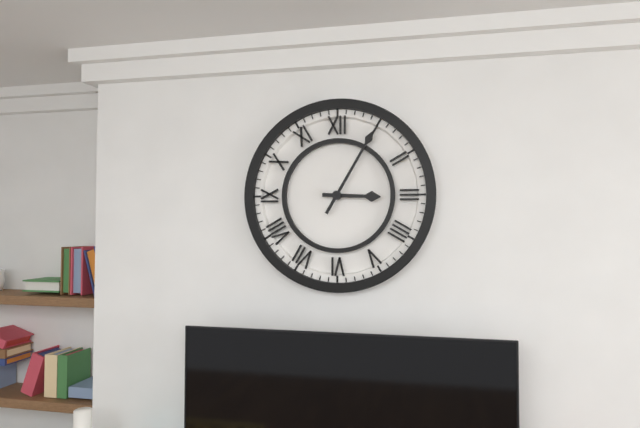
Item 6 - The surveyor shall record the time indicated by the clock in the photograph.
3:05
